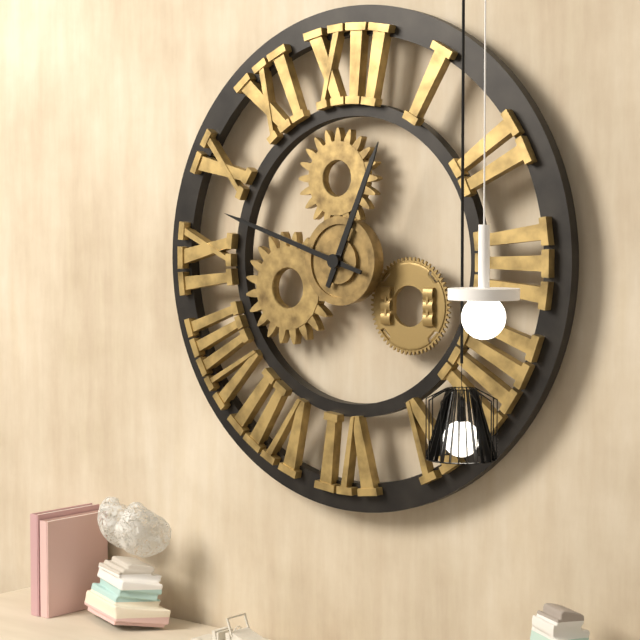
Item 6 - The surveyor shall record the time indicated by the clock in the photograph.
12:48
